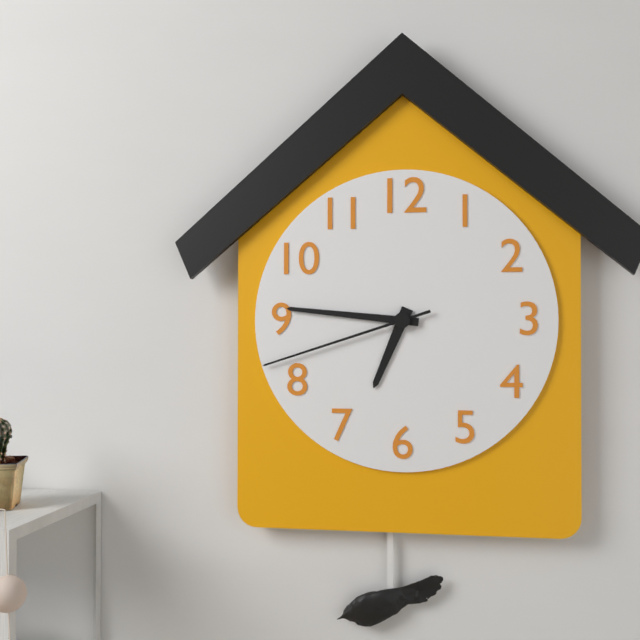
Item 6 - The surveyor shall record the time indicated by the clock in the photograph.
6:46:42
